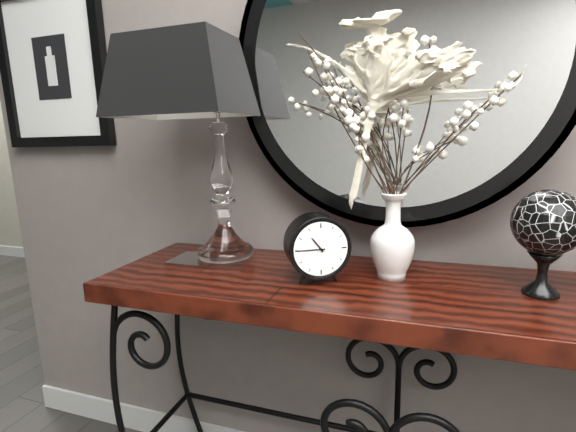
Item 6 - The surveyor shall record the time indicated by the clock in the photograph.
10:45
